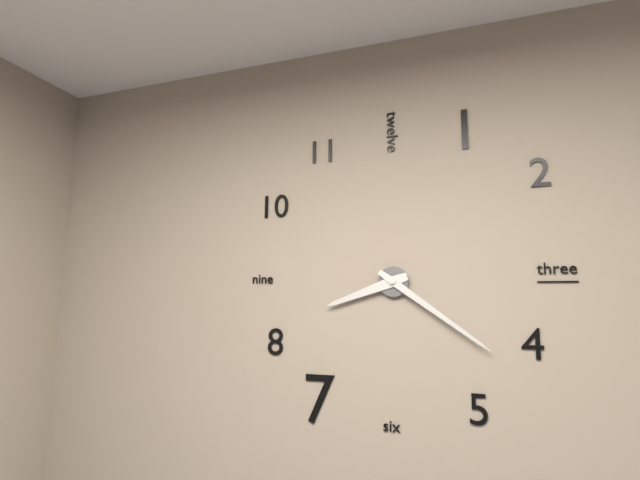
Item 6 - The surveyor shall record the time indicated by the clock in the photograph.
8:21
